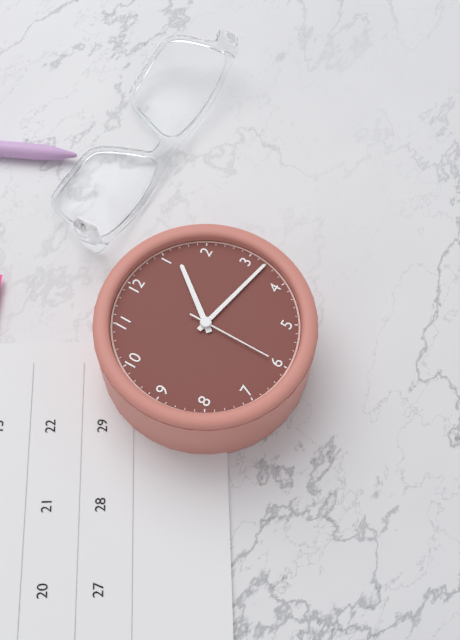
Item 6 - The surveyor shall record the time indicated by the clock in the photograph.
1:17:30
